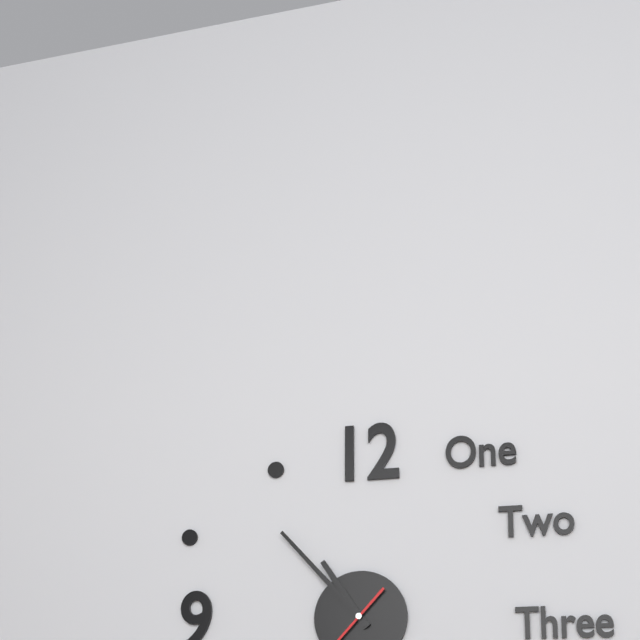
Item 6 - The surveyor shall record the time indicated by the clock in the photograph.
10:53
